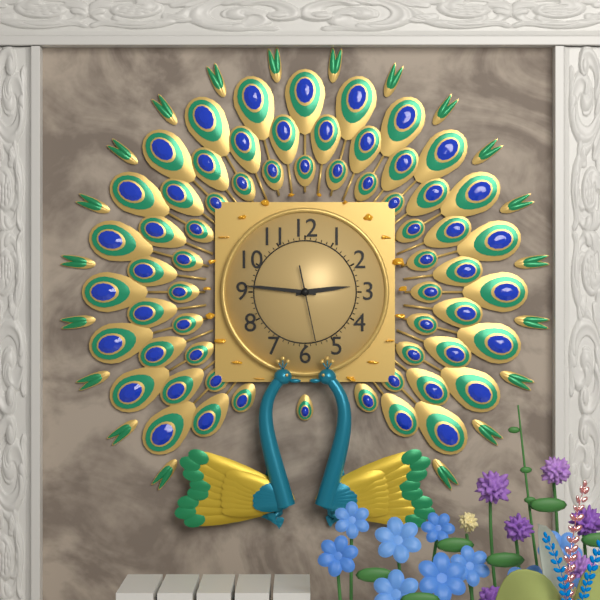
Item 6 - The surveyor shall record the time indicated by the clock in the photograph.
2:46:28
